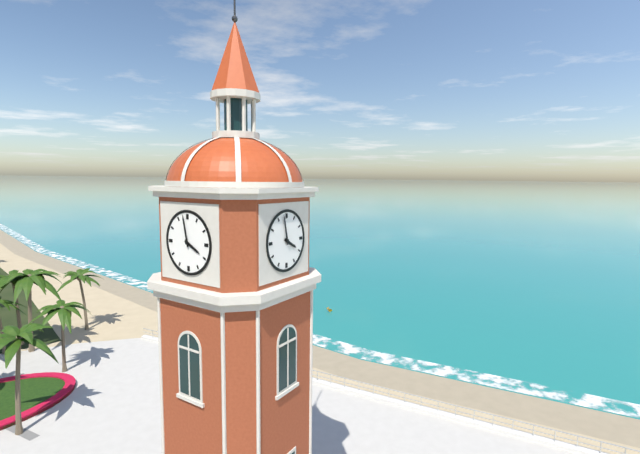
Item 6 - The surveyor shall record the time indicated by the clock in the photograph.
3:58
